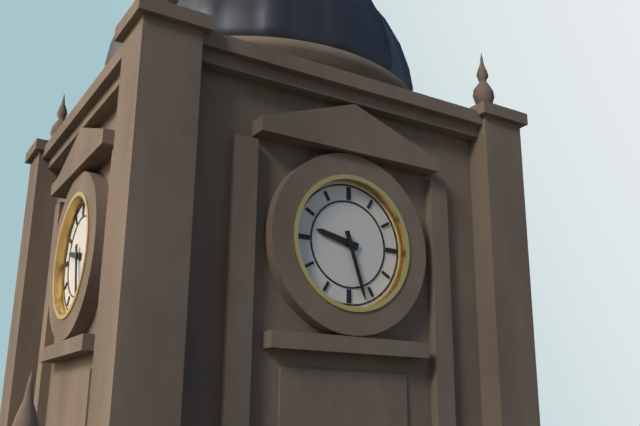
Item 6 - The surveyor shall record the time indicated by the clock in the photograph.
9:27
